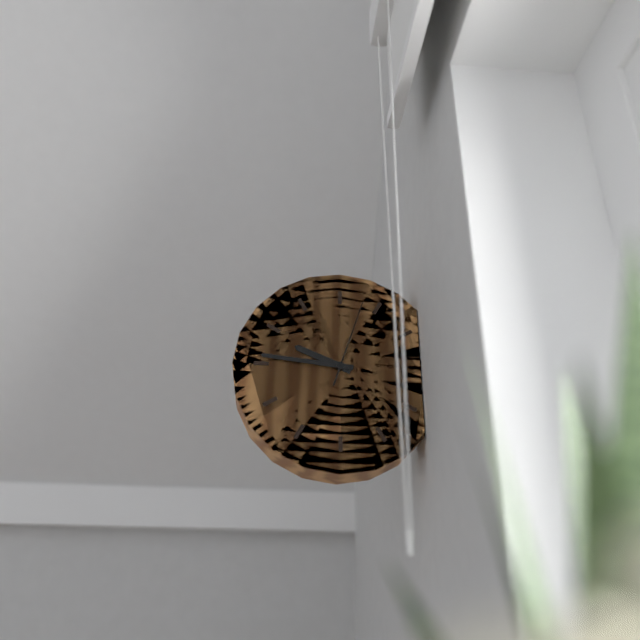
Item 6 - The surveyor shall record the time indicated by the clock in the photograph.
9:46:03
